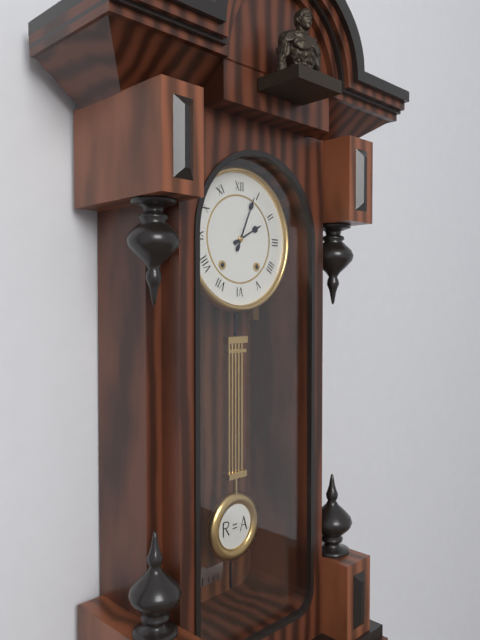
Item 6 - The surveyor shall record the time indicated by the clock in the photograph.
2:04
